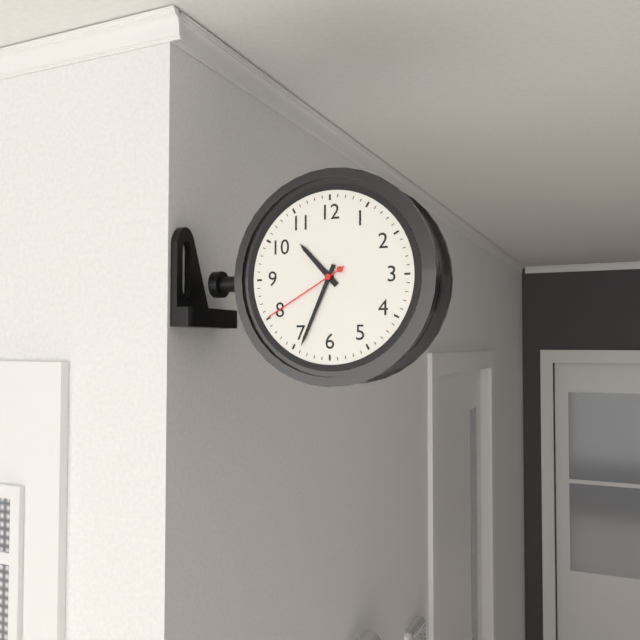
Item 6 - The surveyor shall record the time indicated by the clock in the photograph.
10:34:40
